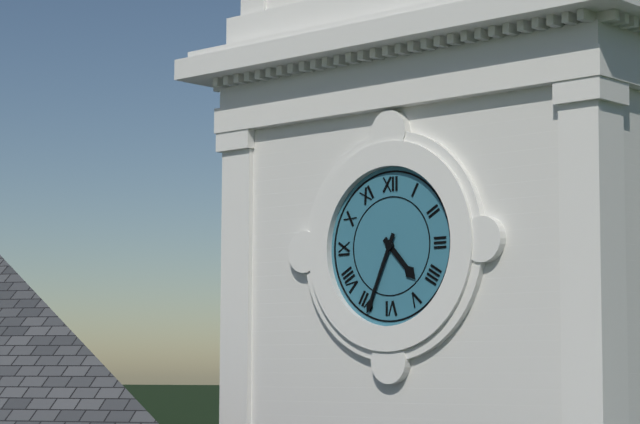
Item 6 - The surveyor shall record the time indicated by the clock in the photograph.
4:34
